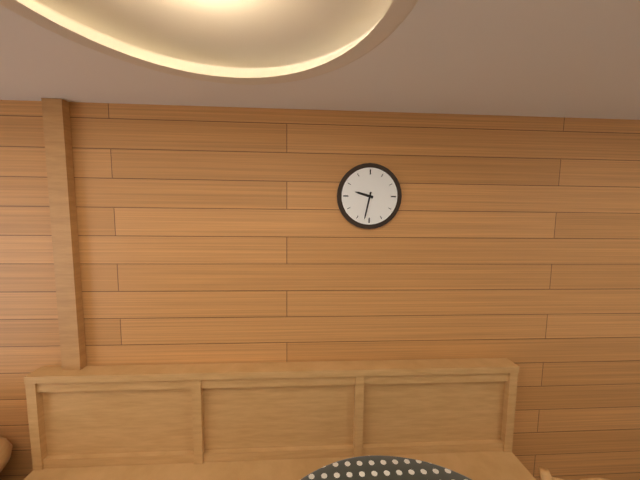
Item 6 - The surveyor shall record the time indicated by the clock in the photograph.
9:32
